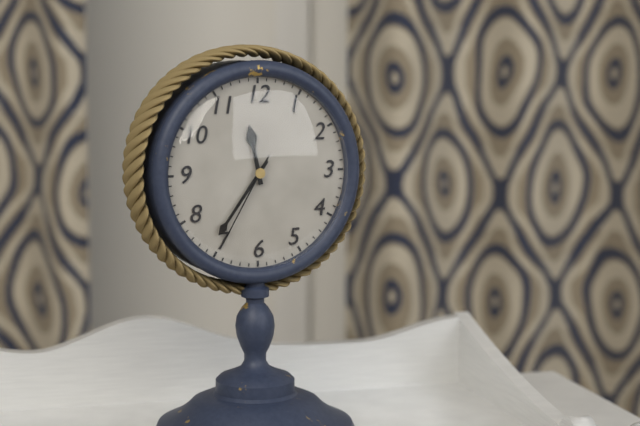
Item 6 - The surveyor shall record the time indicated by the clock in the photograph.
11:36:35
